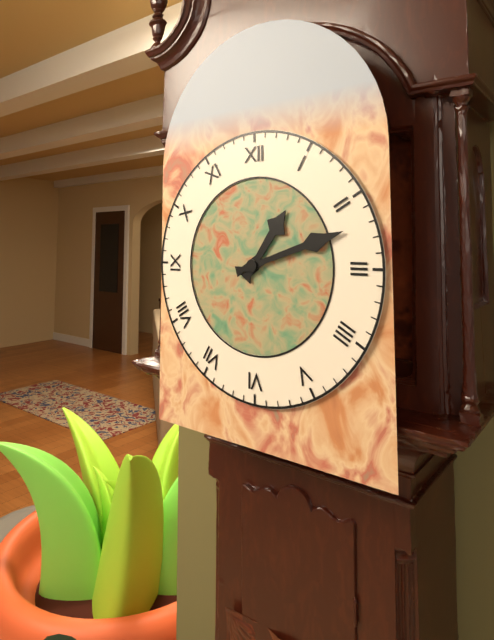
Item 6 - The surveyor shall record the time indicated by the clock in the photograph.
1:12
